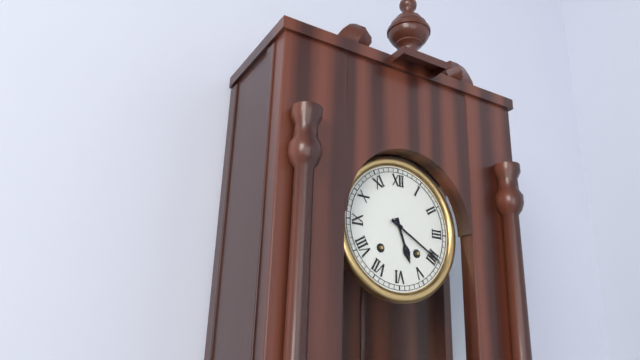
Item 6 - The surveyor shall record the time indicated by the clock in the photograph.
5:20
